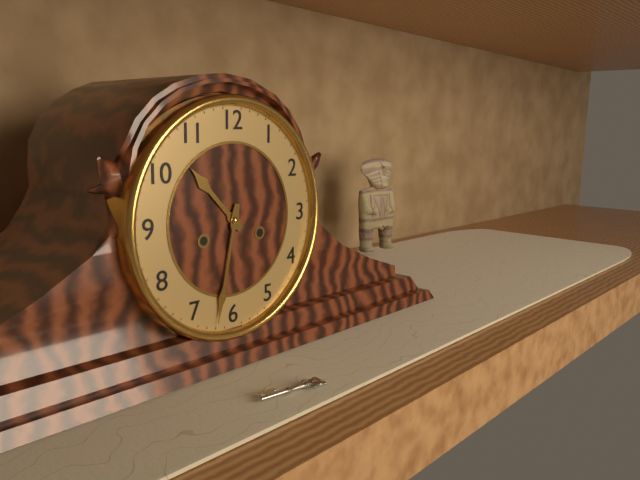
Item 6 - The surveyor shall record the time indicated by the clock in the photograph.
10:32
